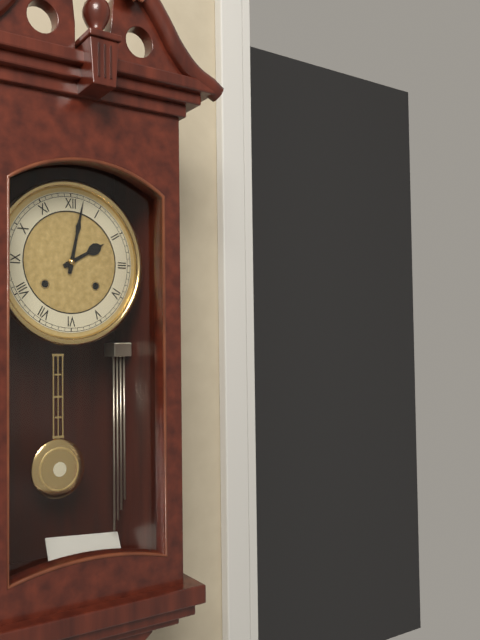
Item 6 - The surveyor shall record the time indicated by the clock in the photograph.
2:02
